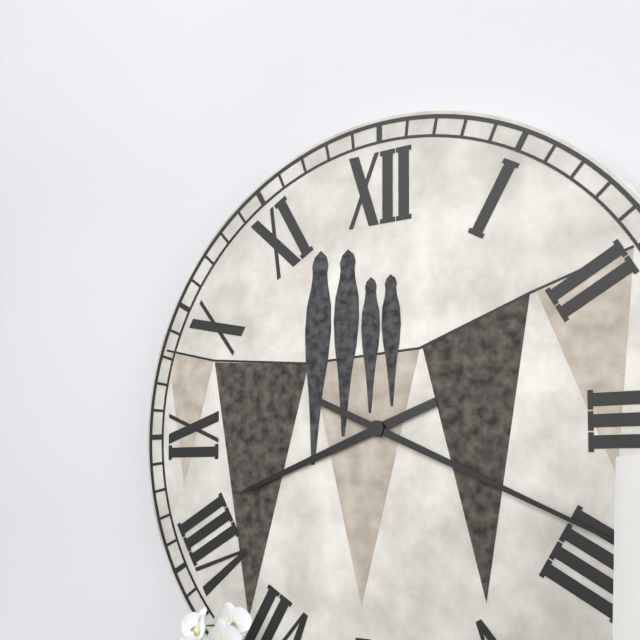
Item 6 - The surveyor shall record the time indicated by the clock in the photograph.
8:19
